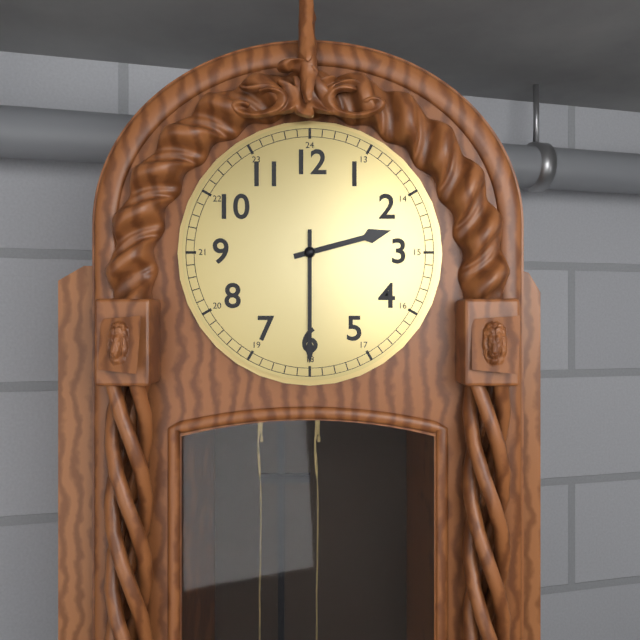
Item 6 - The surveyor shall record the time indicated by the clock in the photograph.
2:30
